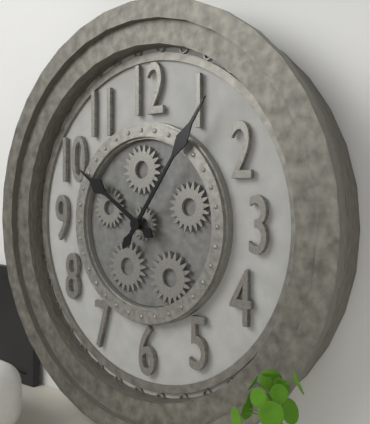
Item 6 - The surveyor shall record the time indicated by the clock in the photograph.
10:06
